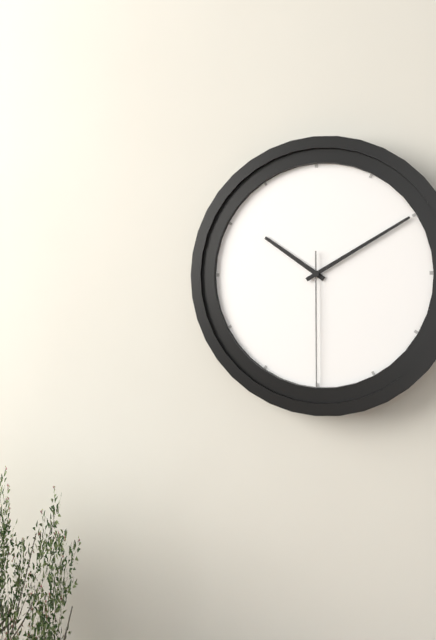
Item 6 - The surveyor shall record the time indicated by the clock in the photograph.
10:10:30
